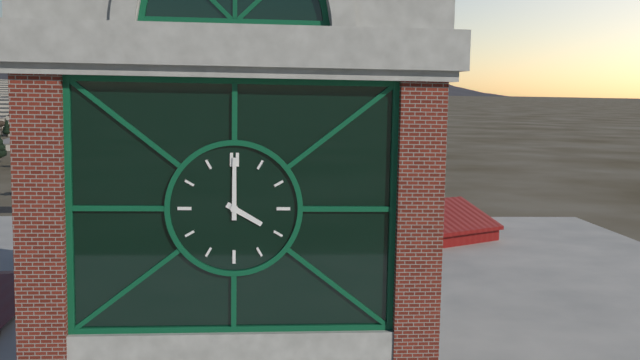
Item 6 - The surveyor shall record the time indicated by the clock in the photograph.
4:00
